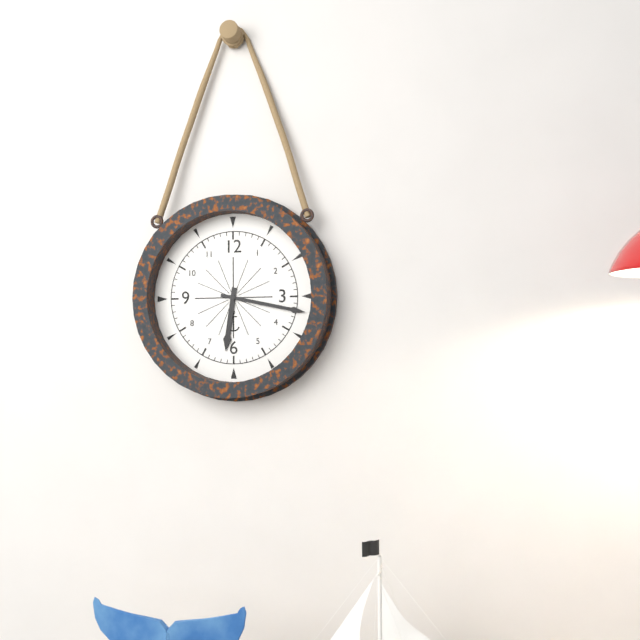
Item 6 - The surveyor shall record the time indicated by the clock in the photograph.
6:17
